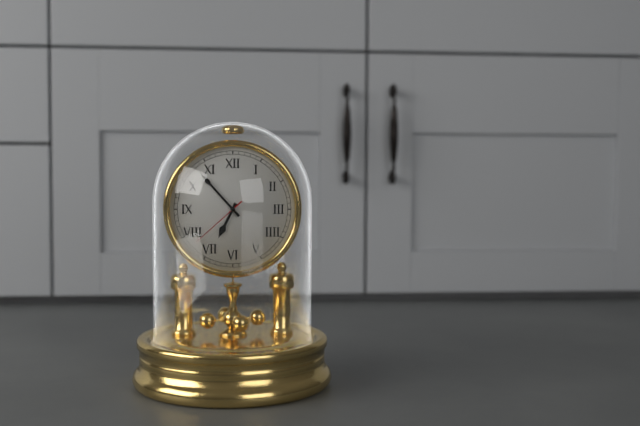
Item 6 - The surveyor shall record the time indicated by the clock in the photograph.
6:53:38
